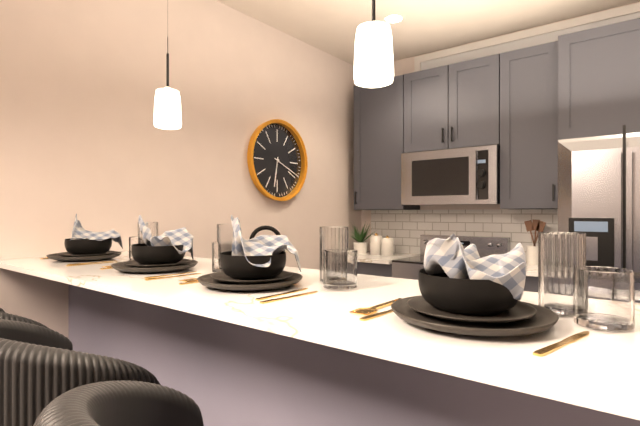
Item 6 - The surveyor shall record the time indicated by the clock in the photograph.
6:19
